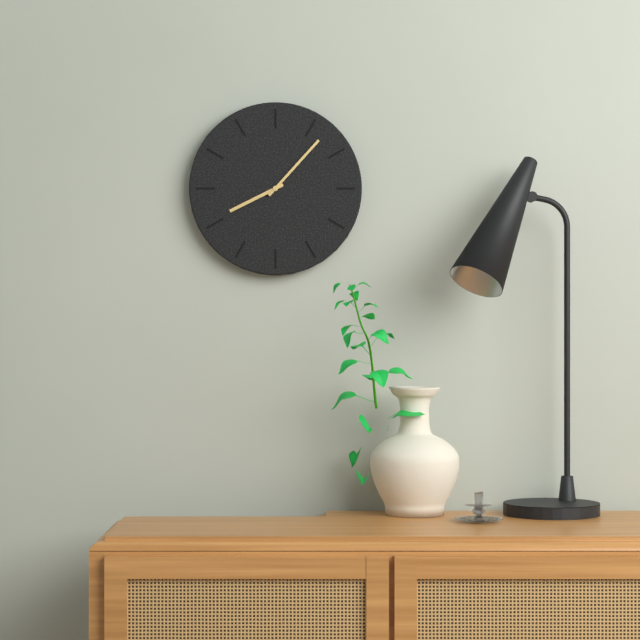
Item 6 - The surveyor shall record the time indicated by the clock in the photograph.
8:07
